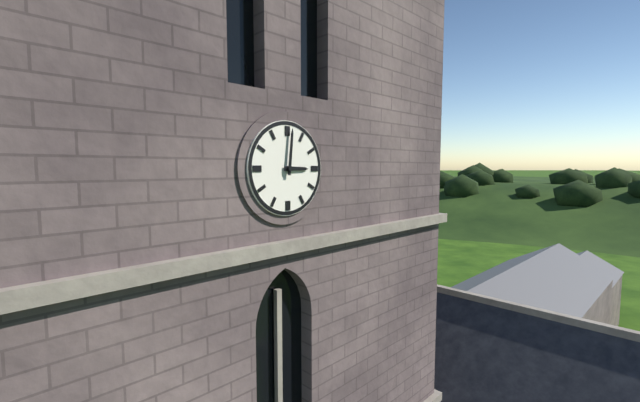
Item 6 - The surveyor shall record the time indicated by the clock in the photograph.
3:01
